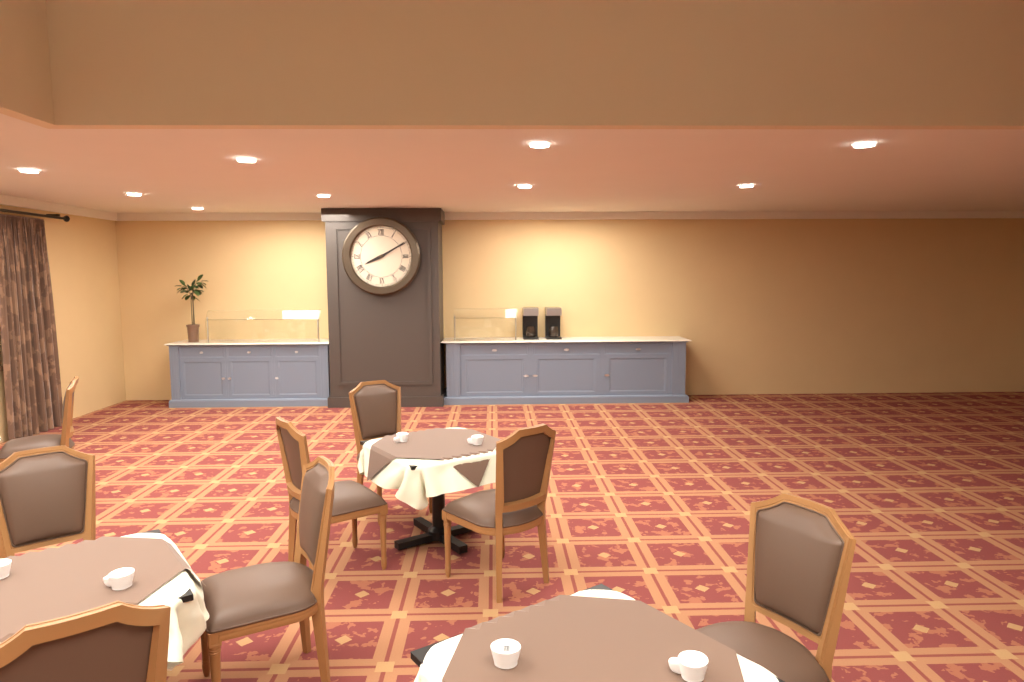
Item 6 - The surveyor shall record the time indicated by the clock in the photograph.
8:10
